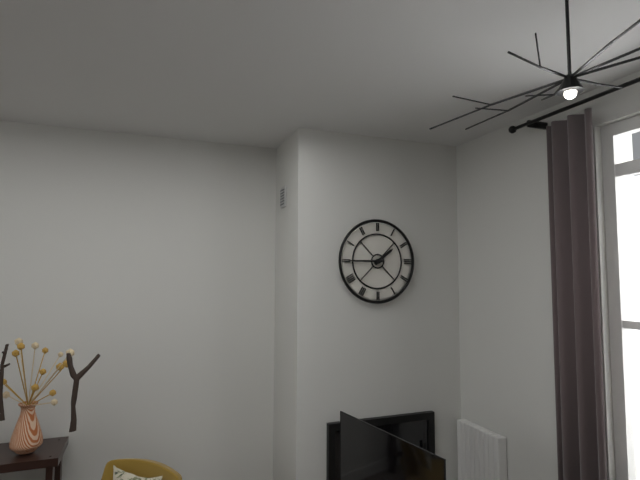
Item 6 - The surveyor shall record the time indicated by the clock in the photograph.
1:45
